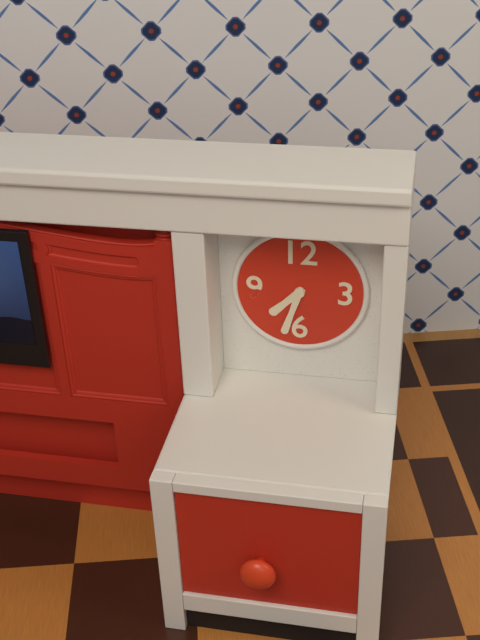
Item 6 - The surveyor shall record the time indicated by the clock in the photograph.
7:33
